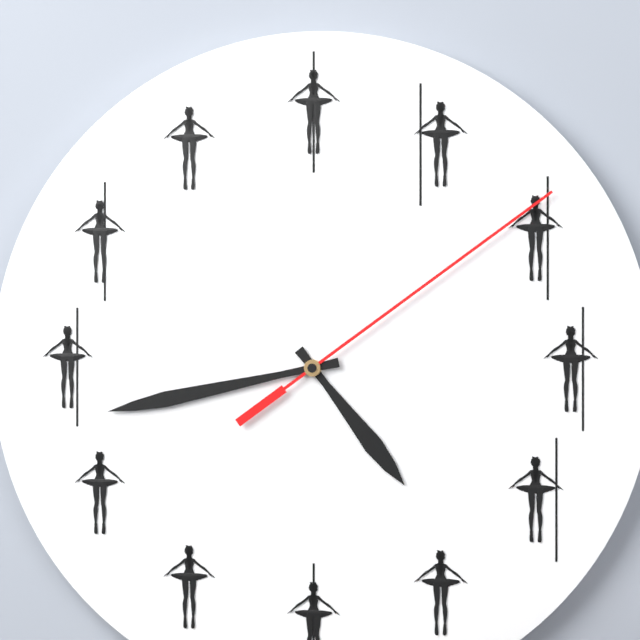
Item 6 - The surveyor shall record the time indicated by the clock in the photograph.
4:43:09
